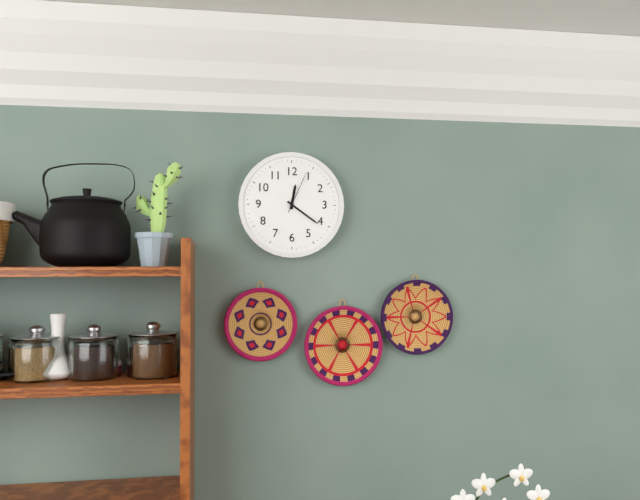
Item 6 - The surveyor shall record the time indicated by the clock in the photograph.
12:21
